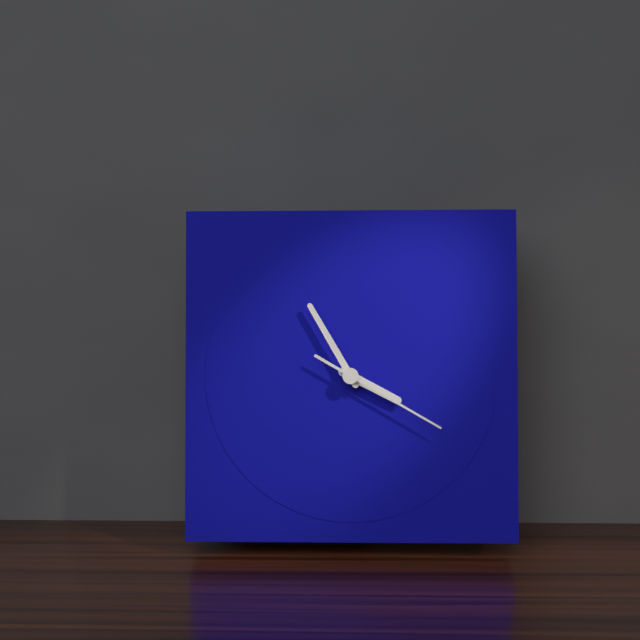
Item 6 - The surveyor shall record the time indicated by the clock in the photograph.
3:55:20
